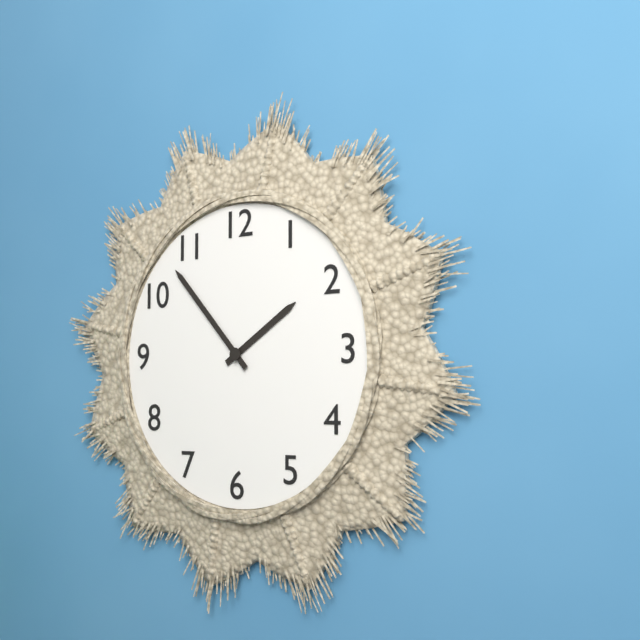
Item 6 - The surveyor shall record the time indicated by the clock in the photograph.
1:53
